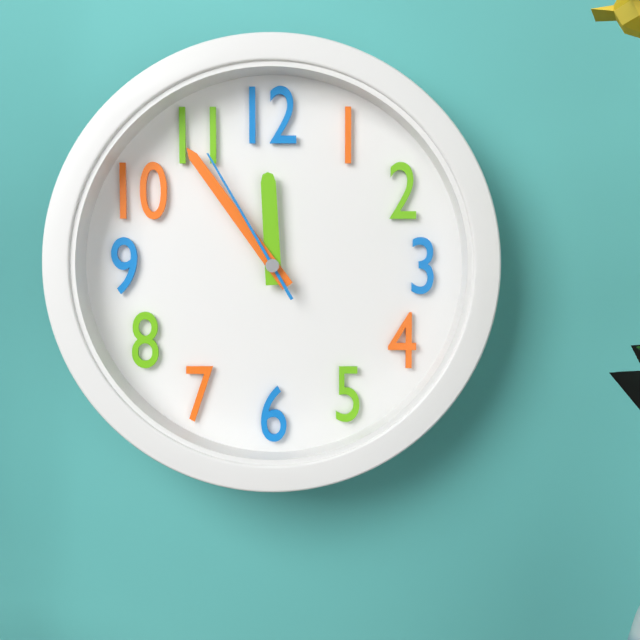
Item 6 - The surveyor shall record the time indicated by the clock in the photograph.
11:54:55
